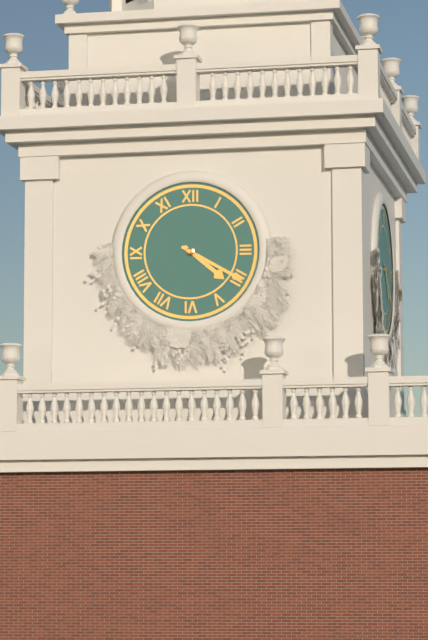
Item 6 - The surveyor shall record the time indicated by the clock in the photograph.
4:20
